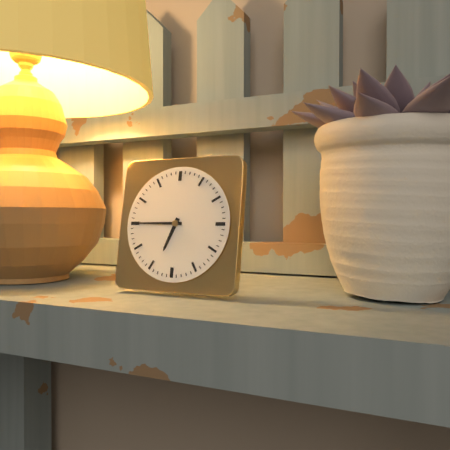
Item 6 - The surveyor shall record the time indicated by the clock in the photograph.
6:45
